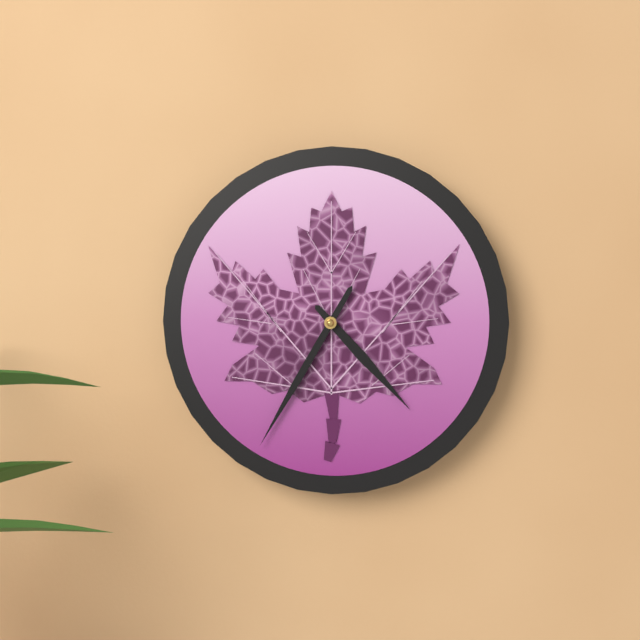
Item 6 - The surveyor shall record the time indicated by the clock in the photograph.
4:35
